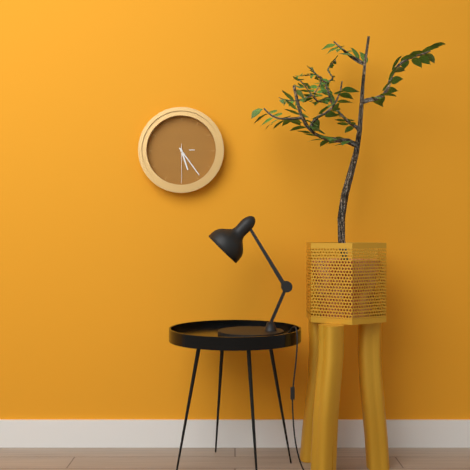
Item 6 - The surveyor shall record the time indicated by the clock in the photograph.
5:24
